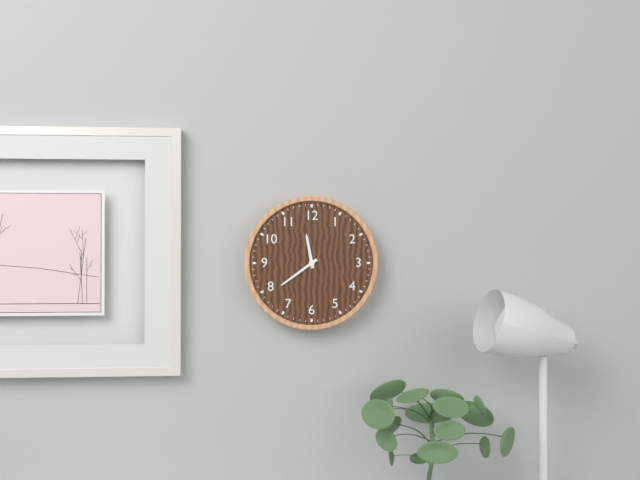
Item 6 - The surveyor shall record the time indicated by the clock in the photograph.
11:39
